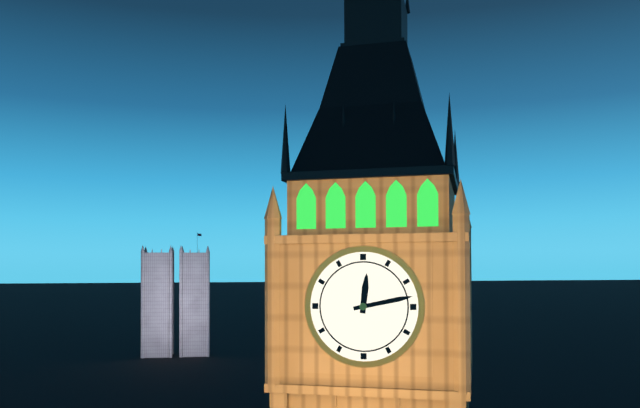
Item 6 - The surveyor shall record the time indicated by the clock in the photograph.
12:13
